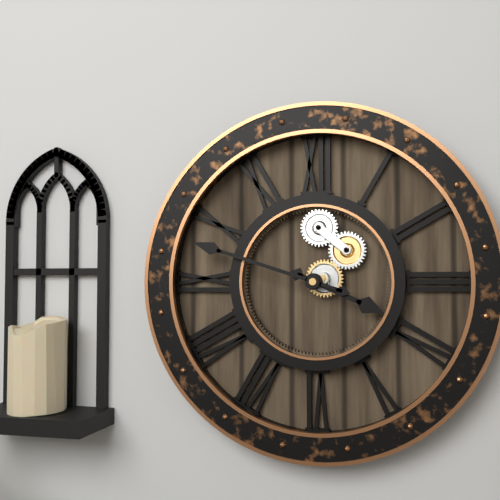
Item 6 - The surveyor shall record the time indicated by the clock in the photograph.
3:48
